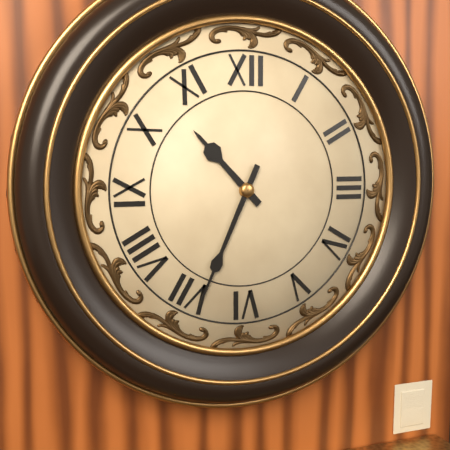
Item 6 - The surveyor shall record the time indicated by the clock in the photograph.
10:34
